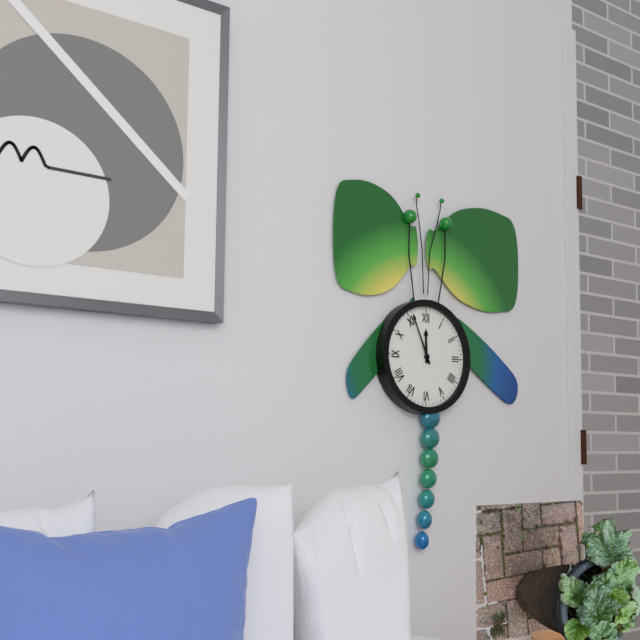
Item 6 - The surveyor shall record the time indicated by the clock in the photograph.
11:56
